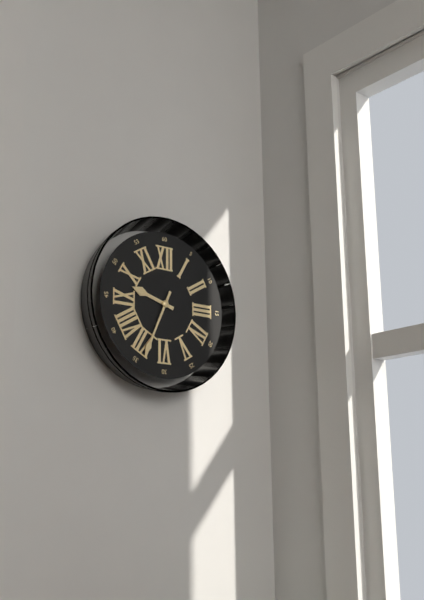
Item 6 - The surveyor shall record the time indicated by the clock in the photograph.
9:34
